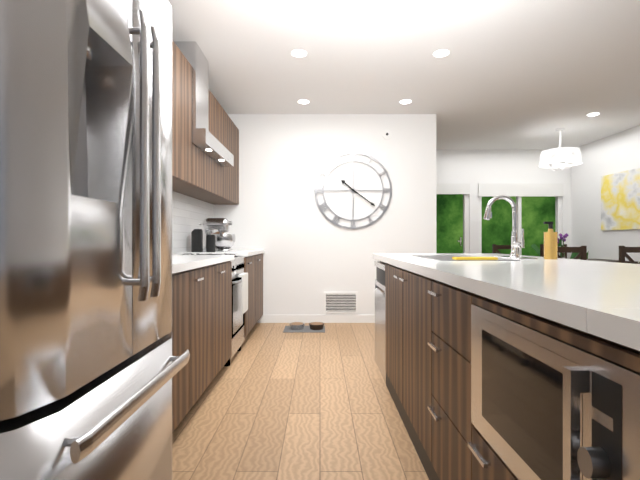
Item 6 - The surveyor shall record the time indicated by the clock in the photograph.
10:21
